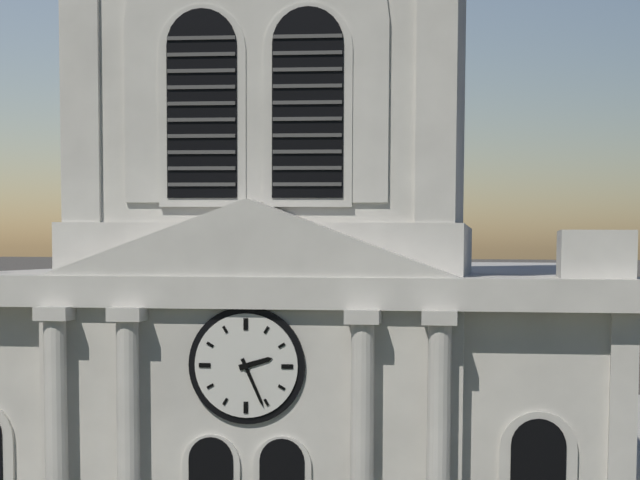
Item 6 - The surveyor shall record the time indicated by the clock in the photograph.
2:26
